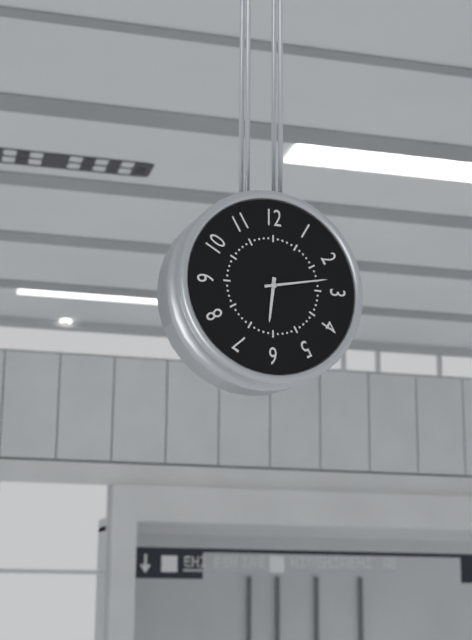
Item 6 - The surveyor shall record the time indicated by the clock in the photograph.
6:13
